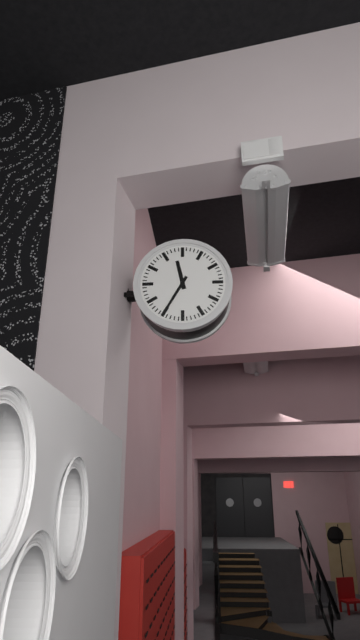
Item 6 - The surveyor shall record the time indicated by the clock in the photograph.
11:35
